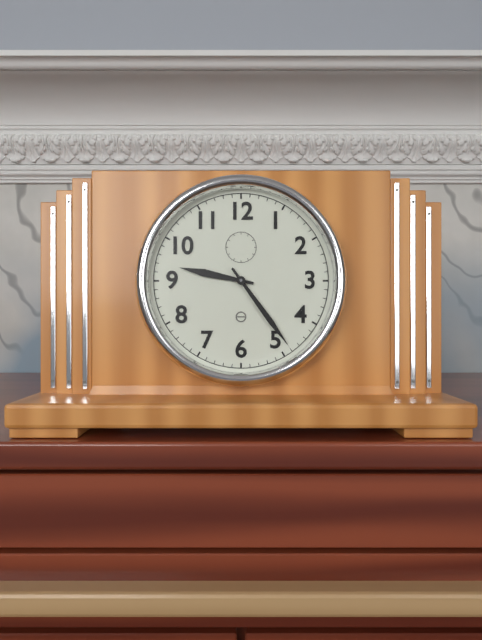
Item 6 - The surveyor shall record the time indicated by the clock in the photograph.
9:24
